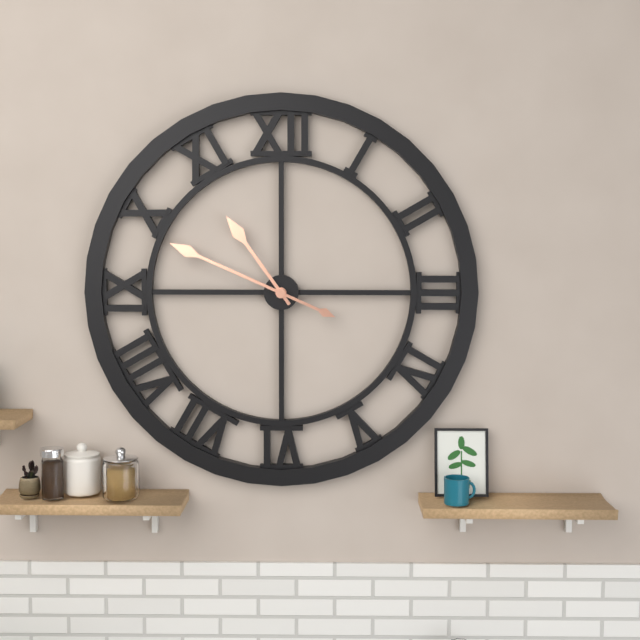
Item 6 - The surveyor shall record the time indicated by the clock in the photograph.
10:49
